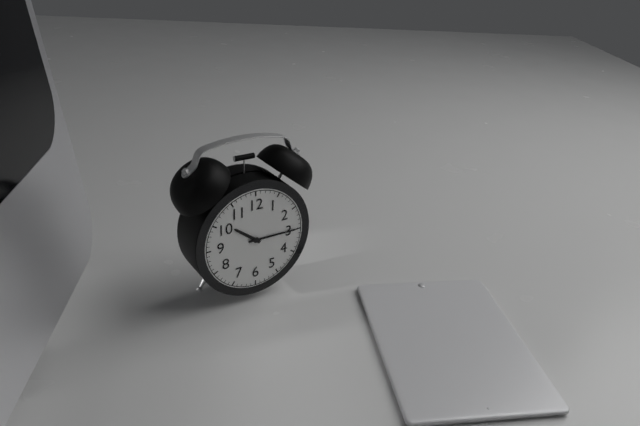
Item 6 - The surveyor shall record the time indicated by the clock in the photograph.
10:15
